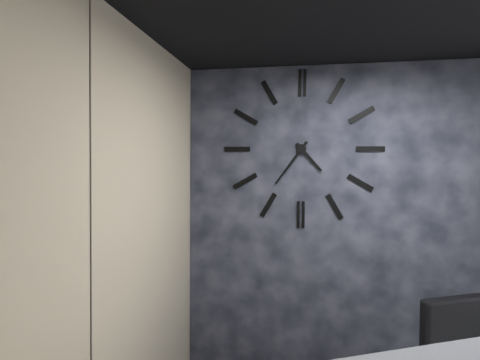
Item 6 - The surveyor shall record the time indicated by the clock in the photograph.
4:36
